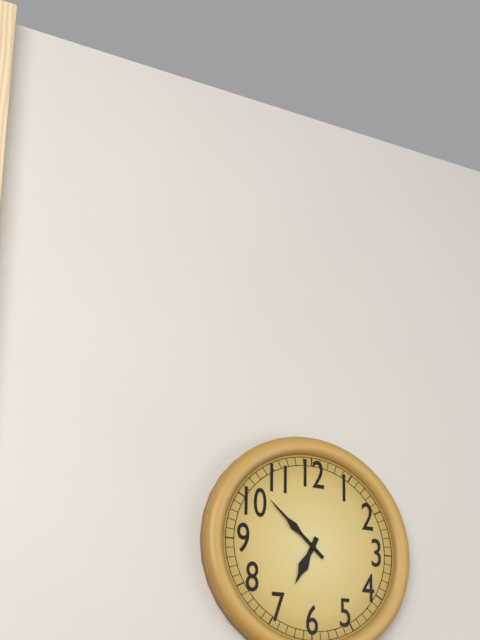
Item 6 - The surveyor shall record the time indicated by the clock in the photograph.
6:52
